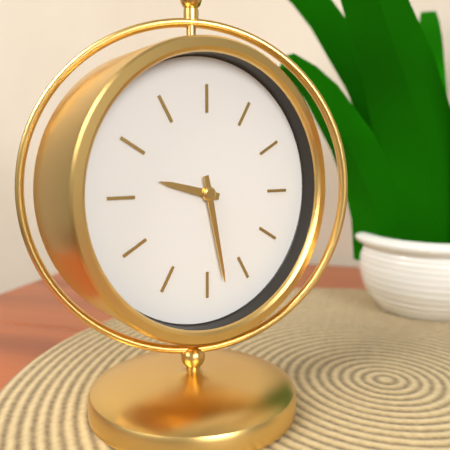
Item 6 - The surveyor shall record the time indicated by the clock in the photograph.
9:28
